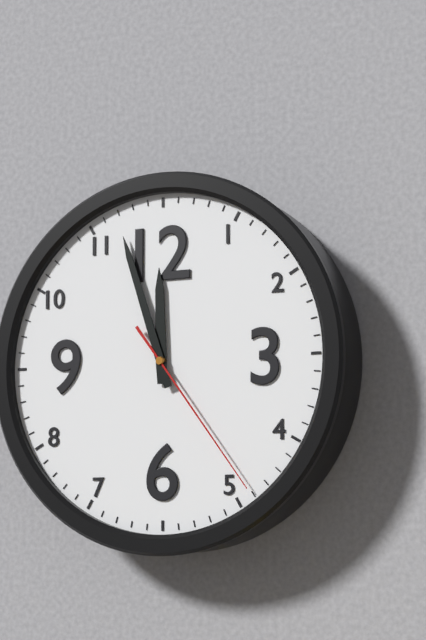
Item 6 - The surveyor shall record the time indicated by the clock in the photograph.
11:57:24
